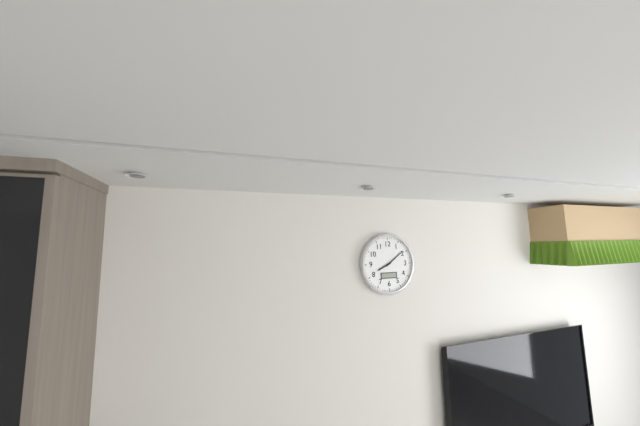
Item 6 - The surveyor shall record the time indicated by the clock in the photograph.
8:09
